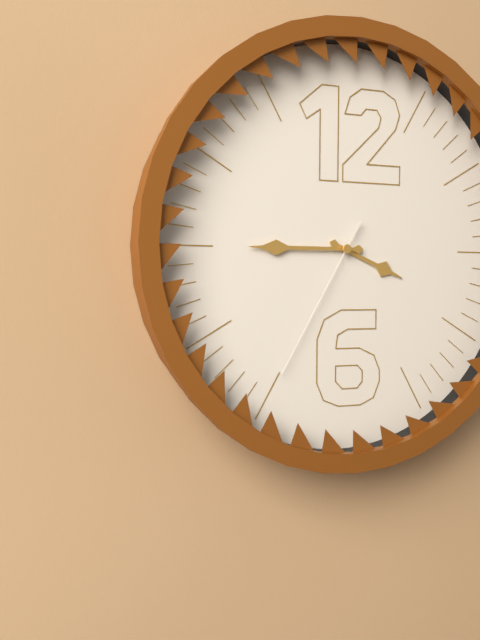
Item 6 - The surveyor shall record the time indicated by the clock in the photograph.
3:45:35
